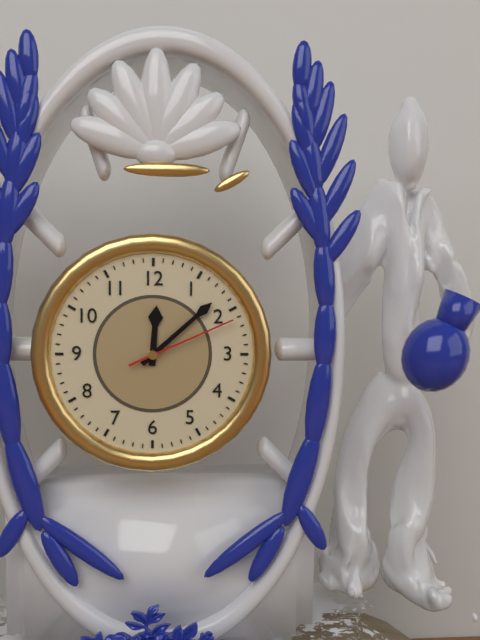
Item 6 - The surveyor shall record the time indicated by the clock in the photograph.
12:08:11
